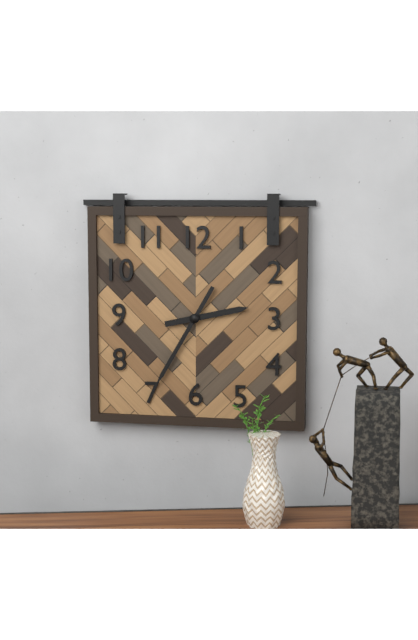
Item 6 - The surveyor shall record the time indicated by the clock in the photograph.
2:35
